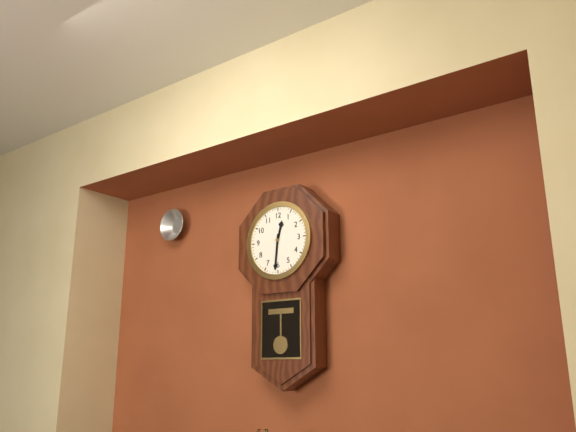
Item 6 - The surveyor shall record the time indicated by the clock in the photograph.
12:31
